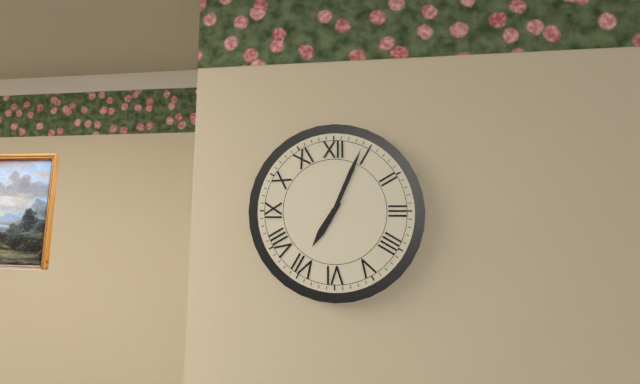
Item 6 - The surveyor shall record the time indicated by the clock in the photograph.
7:04
